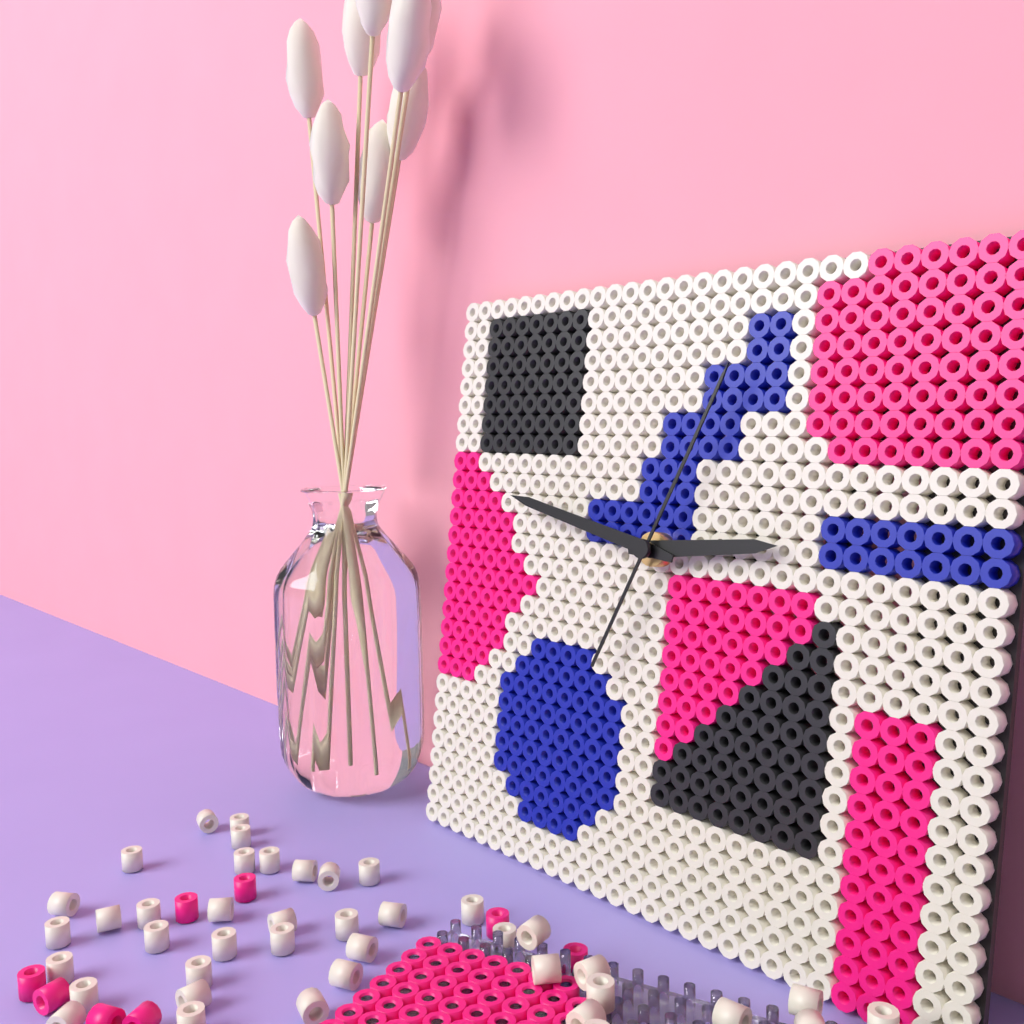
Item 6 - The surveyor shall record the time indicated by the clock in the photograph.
2:47:04
